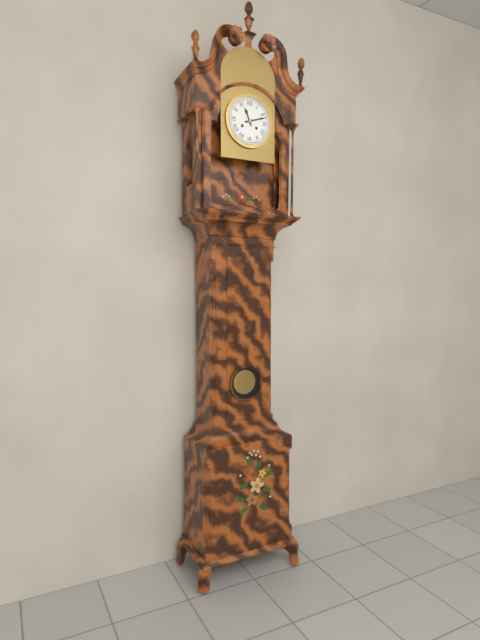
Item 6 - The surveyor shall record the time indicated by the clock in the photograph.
11:12
